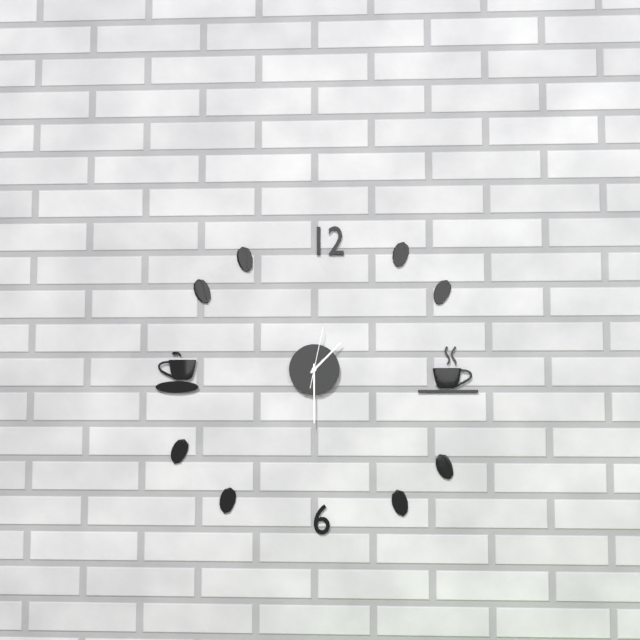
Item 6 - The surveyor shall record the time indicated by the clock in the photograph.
1:30:02
